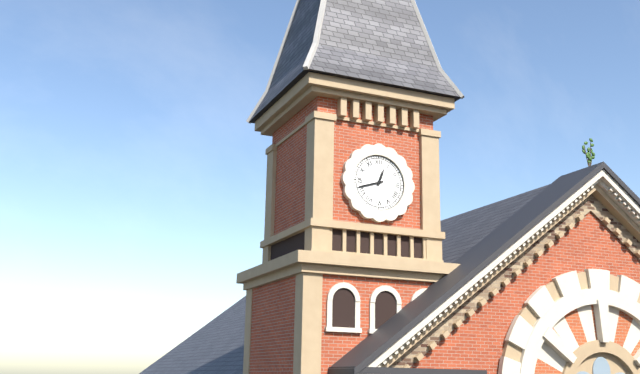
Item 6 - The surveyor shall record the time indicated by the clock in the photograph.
12:42
